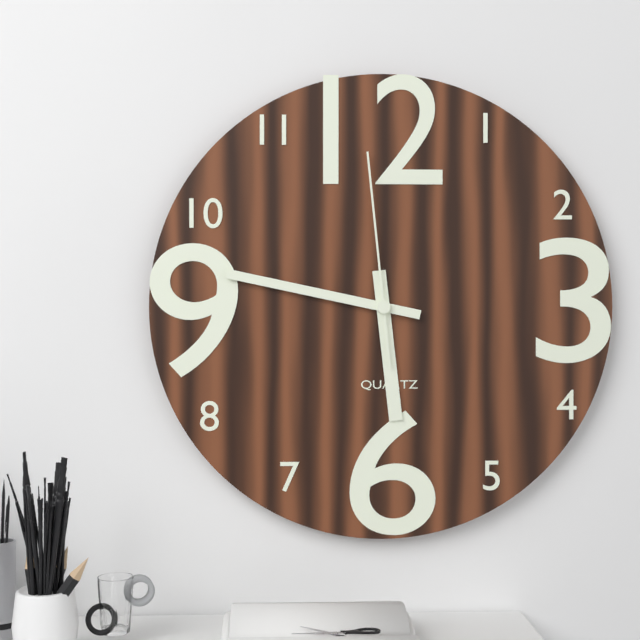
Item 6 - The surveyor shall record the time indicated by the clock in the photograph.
5:47:59
